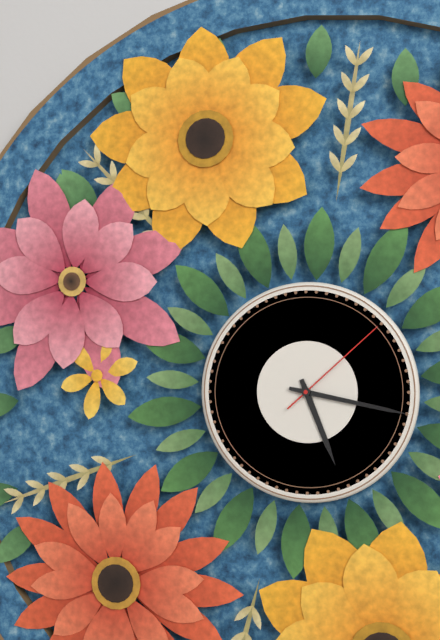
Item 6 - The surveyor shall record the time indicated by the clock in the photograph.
5:17:08
